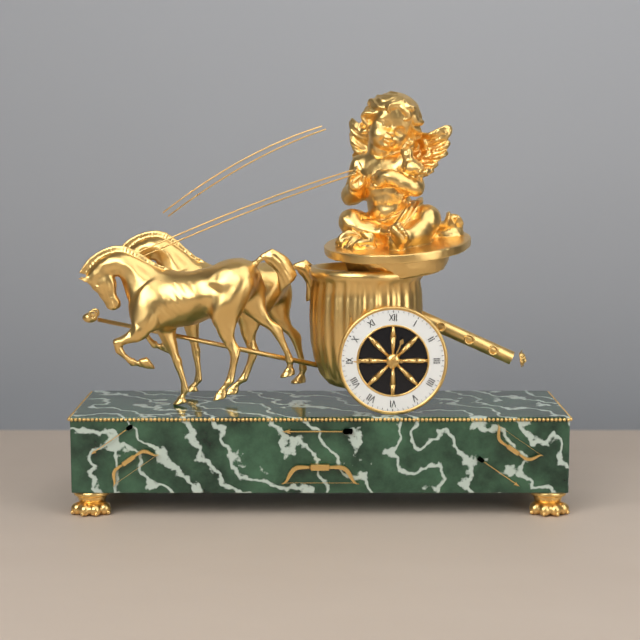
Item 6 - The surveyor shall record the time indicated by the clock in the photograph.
12:45
